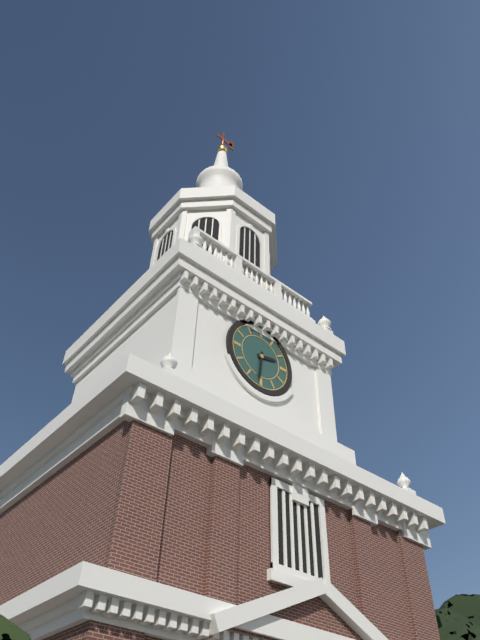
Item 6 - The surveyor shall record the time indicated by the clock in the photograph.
2:31
